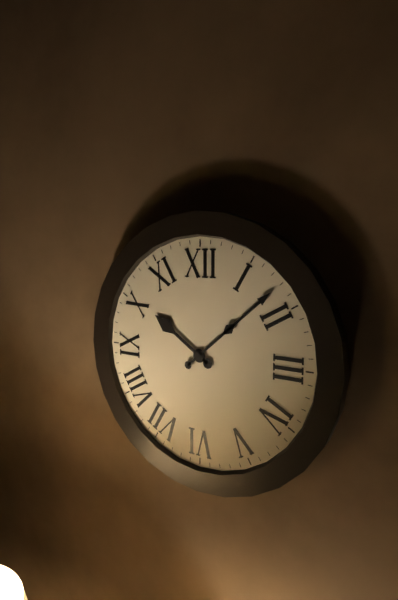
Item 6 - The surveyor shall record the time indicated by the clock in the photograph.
10:08
